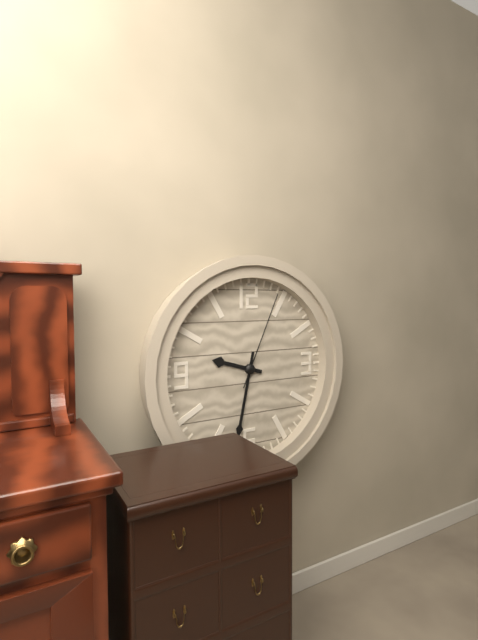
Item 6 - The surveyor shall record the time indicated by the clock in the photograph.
9:32:04
